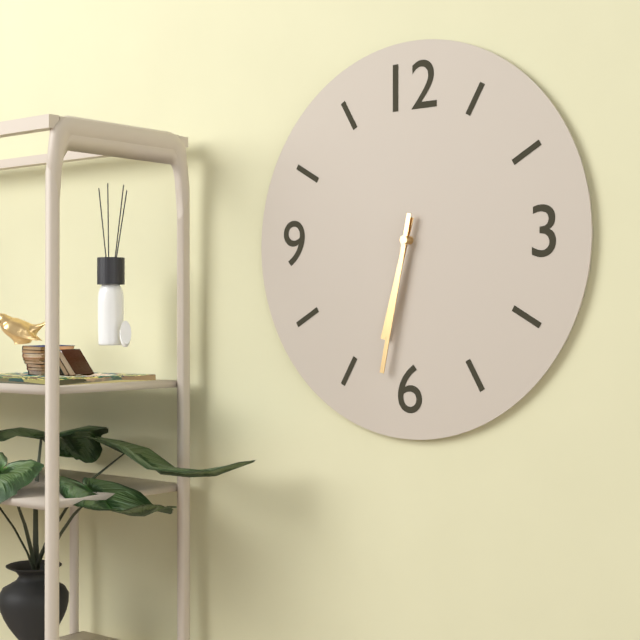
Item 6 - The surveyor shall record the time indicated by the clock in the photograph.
6:32
